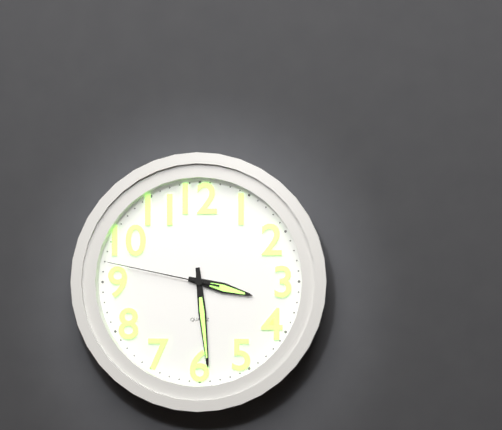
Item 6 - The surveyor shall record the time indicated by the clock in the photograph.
3:29:47
